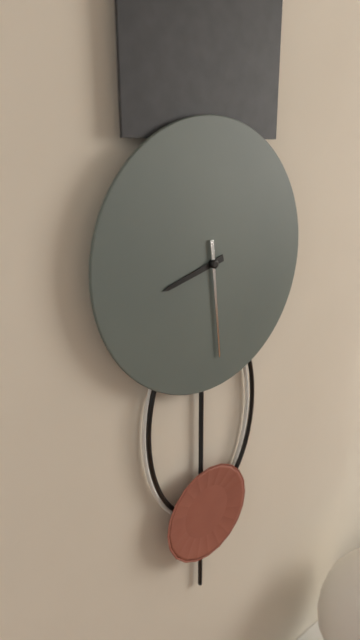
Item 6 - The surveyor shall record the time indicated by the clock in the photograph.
8:29
